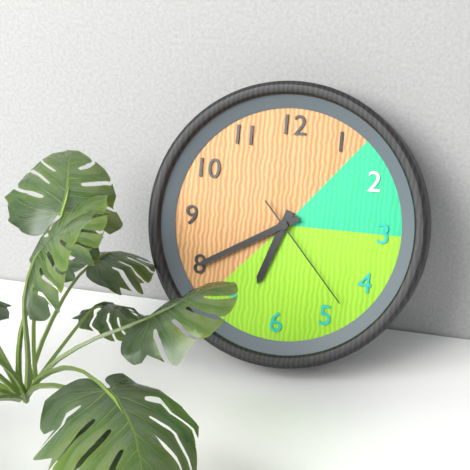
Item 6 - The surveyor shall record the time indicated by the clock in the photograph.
6:40:23
